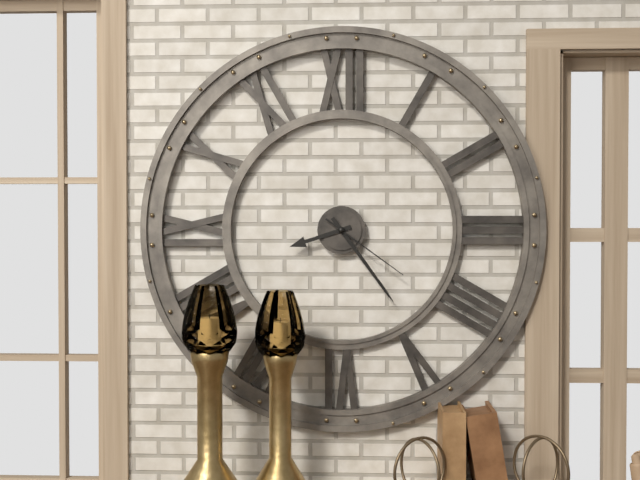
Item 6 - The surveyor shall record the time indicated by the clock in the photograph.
8:24:21
